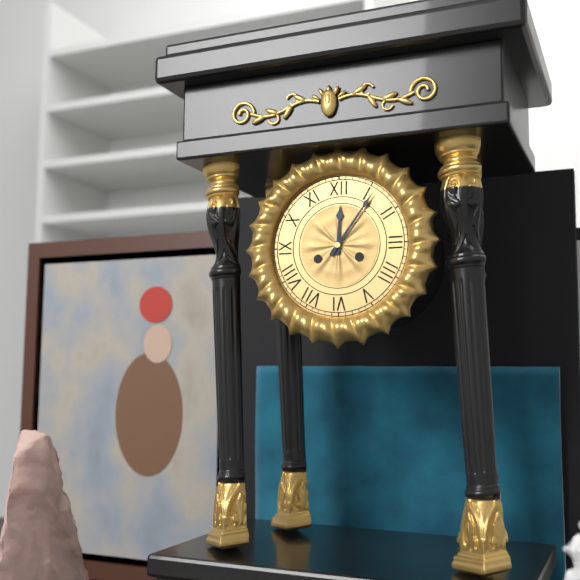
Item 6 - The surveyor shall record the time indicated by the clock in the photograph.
12:06
